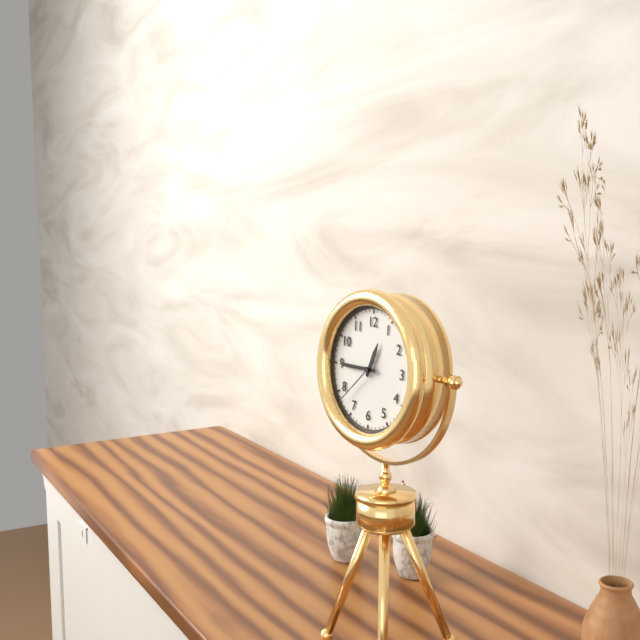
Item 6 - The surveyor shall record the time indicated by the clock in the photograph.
12:45
